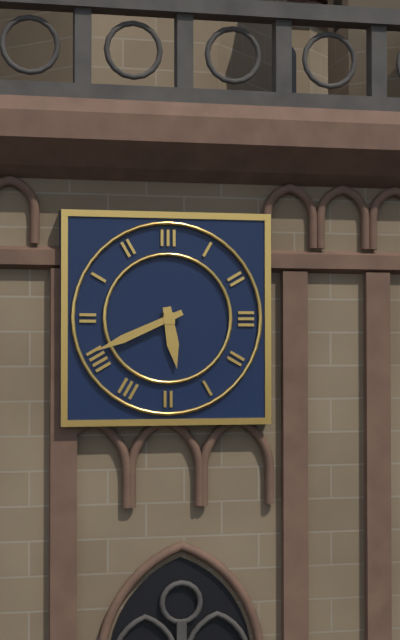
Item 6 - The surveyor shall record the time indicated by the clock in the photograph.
5:41
